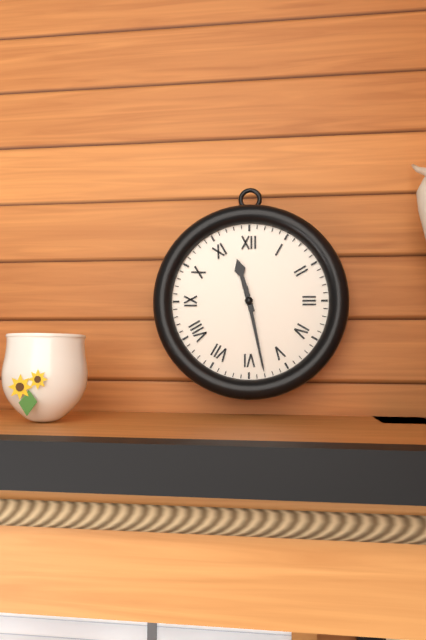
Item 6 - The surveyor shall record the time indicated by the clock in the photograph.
11:28
